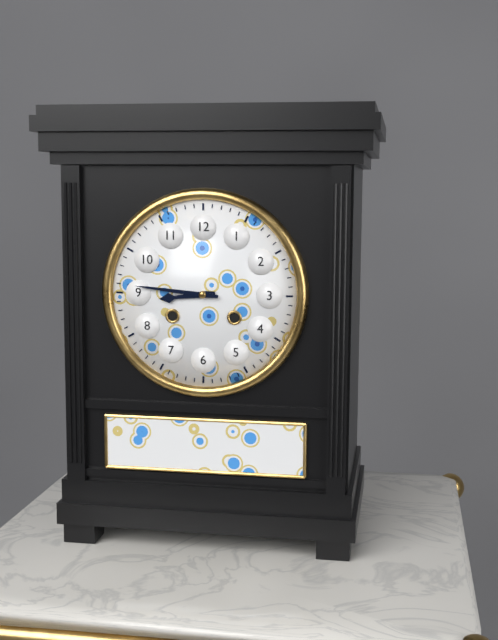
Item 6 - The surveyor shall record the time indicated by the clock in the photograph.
8:46
